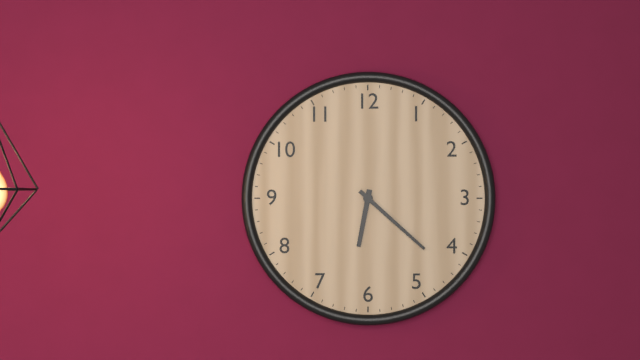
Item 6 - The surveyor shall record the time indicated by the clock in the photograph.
6:22
